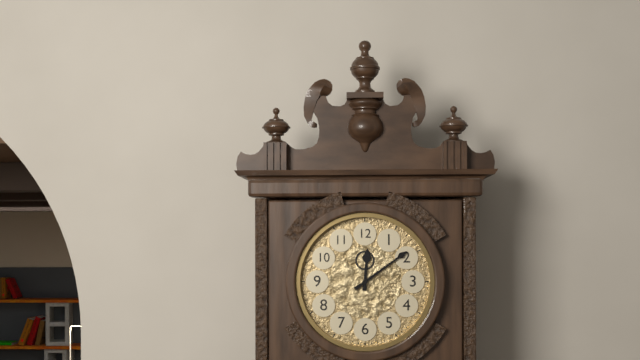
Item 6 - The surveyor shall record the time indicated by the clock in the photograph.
12:09
